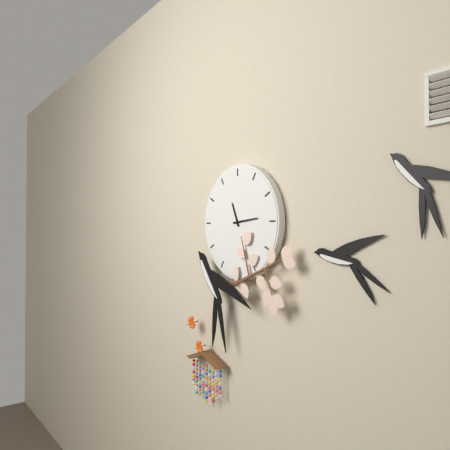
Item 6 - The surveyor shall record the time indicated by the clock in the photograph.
11:14
